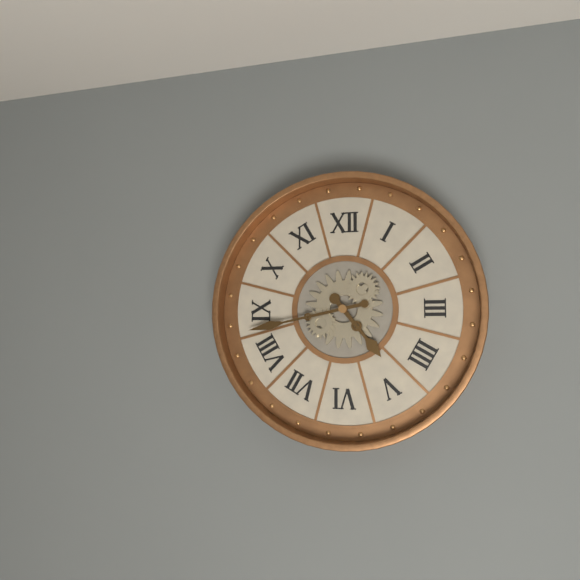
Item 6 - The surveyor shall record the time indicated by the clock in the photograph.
4:43
